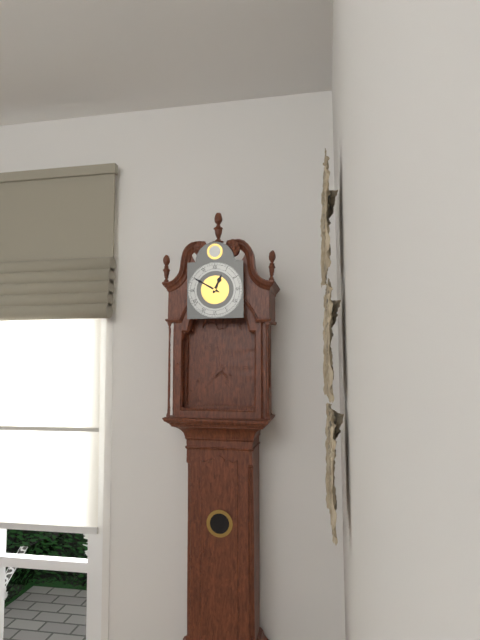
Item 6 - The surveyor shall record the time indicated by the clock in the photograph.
12:50
